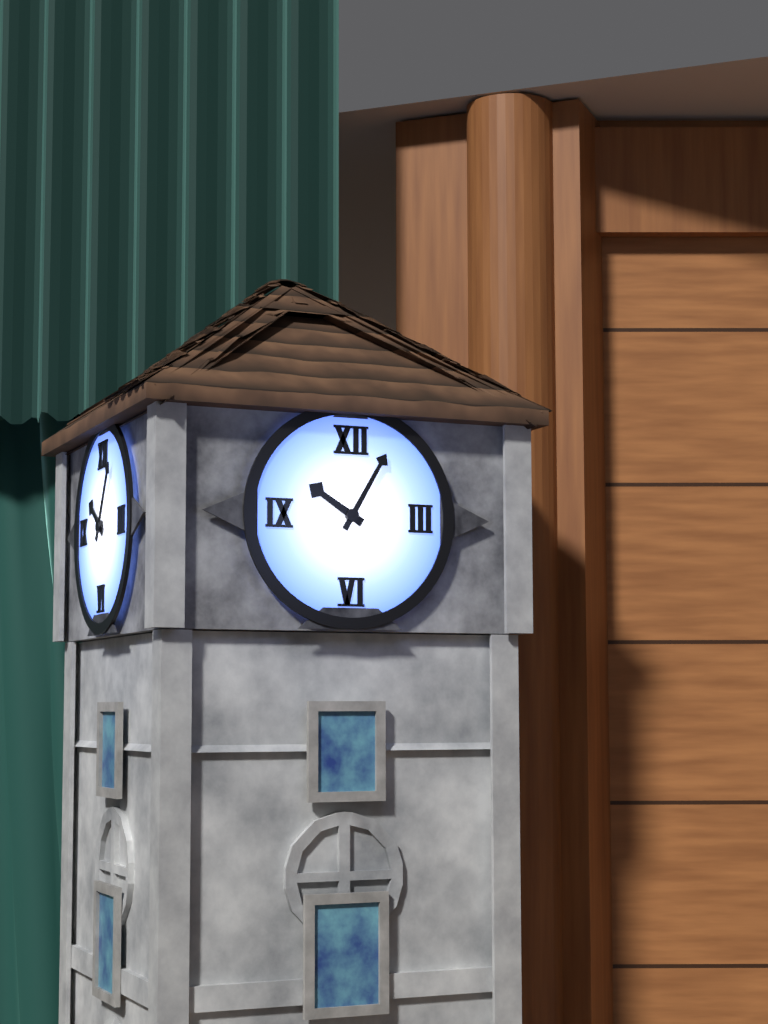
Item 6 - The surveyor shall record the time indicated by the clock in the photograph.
10:05
